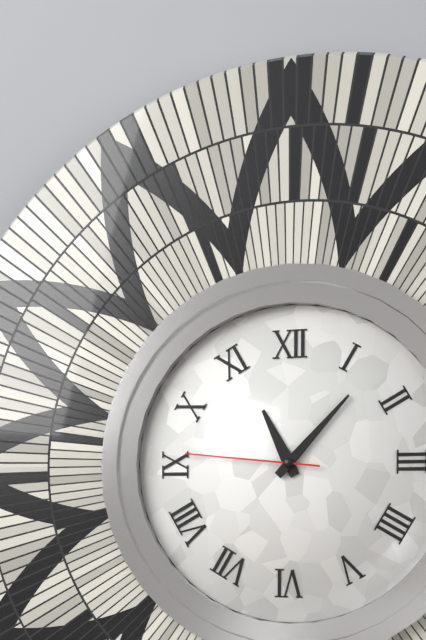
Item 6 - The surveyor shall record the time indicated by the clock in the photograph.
11:07:46
